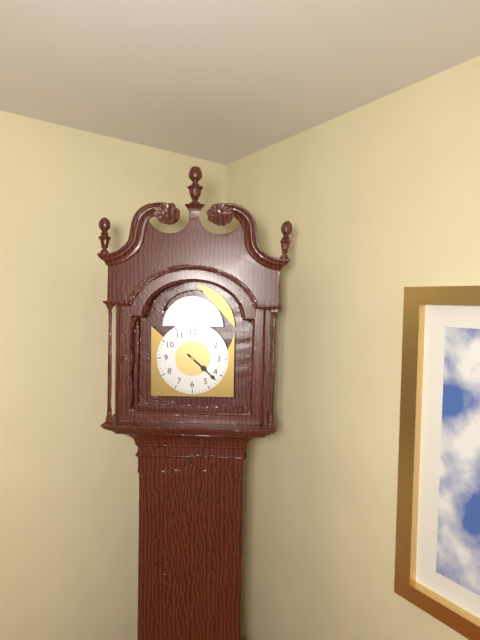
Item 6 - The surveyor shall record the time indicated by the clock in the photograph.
4:22
